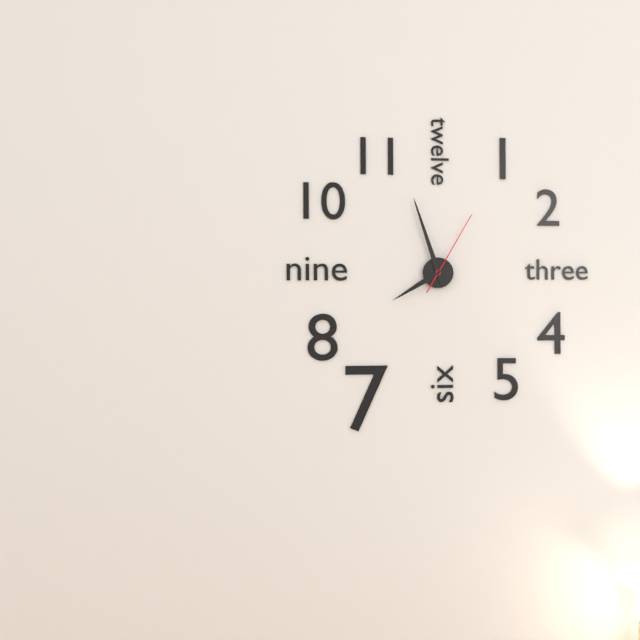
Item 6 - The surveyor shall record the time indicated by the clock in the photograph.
7:57:05
